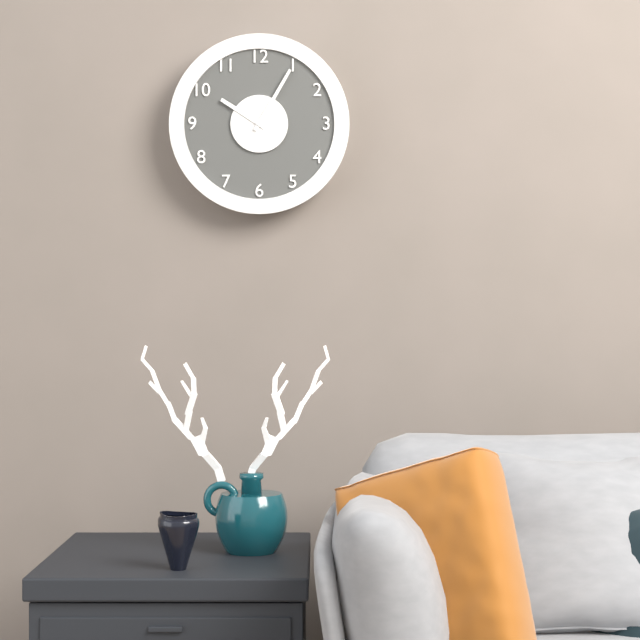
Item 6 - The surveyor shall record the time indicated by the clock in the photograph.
10:05
